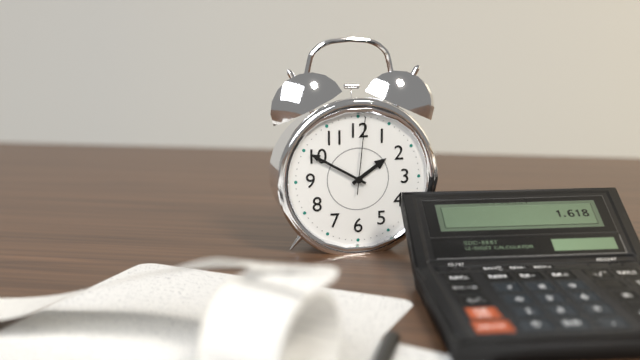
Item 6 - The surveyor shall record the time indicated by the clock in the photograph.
1:50:01
